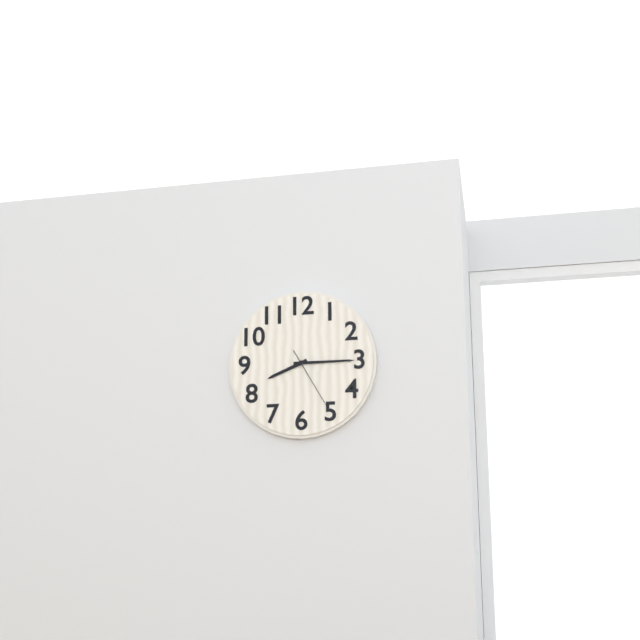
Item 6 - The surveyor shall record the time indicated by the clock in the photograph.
8:15:25
